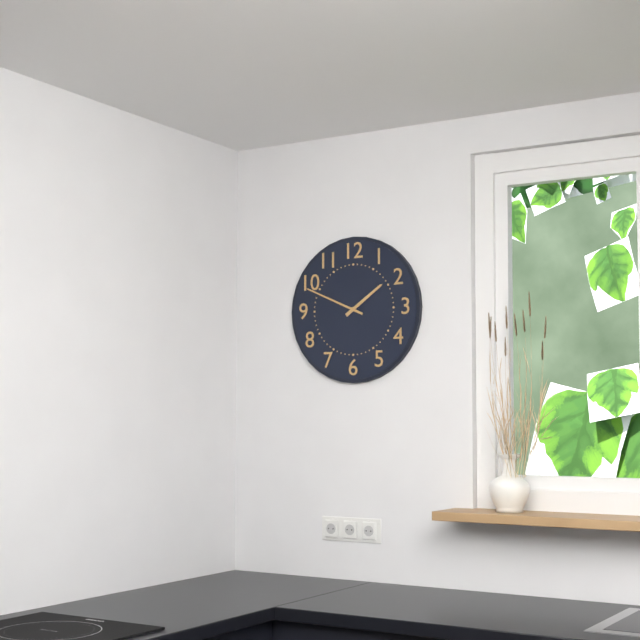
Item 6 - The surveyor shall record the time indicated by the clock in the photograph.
1:49
